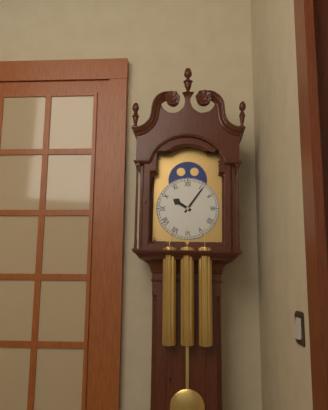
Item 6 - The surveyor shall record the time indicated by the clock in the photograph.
10:06
